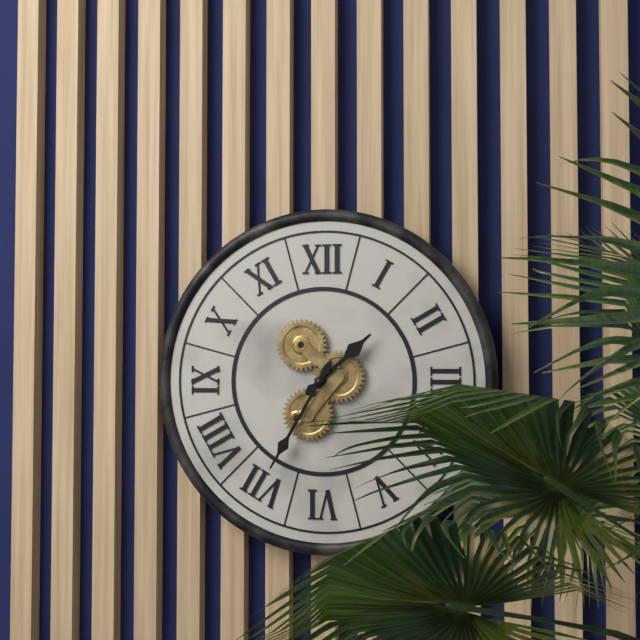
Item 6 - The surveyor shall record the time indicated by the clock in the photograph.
1:35
